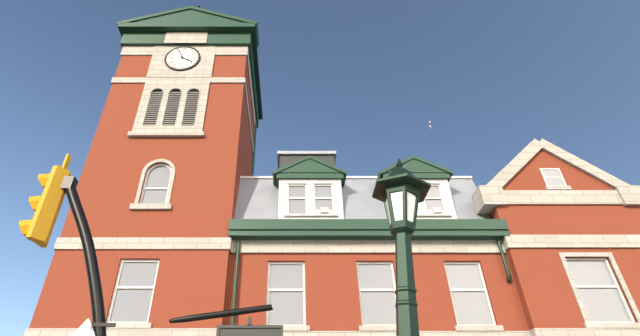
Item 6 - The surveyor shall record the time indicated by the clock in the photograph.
3:56
